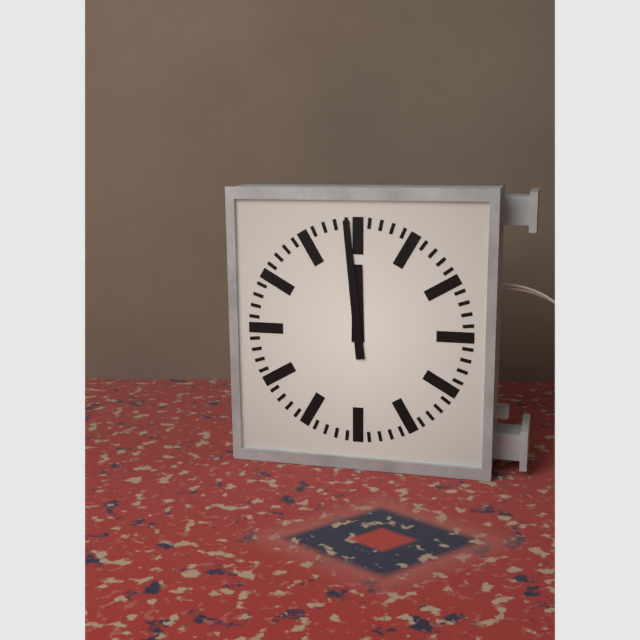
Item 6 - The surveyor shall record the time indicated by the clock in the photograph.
11:59
